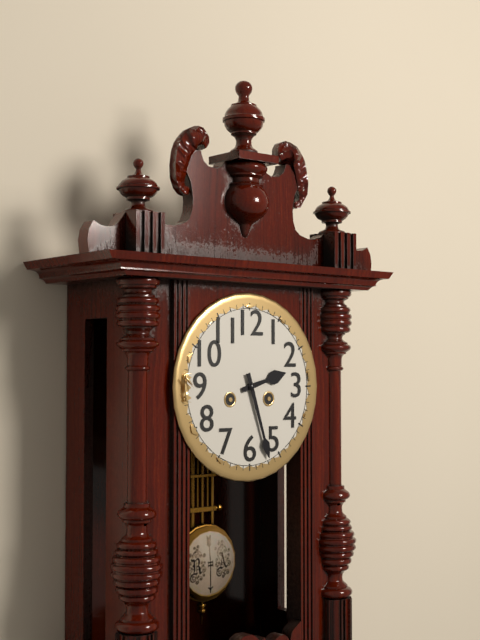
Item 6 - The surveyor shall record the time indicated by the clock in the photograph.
2:27
